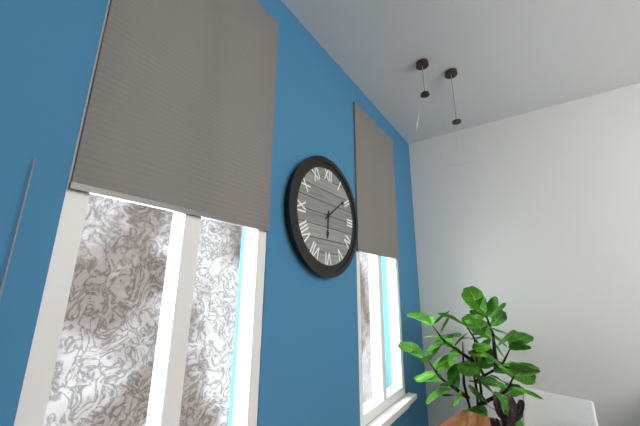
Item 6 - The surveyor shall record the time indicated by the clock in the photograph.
6:09
